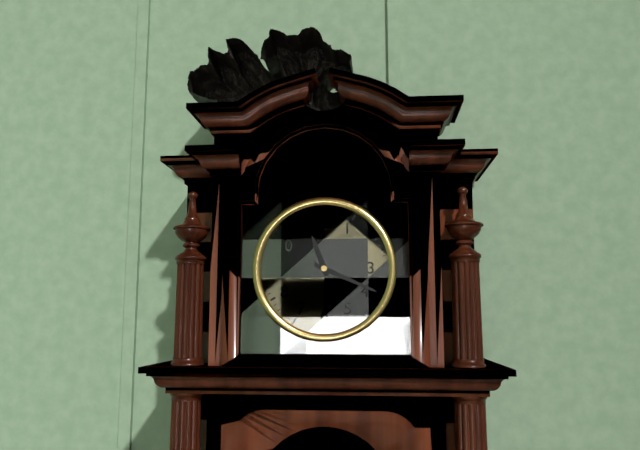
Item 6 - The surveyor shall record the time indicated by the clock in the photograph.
11:19
